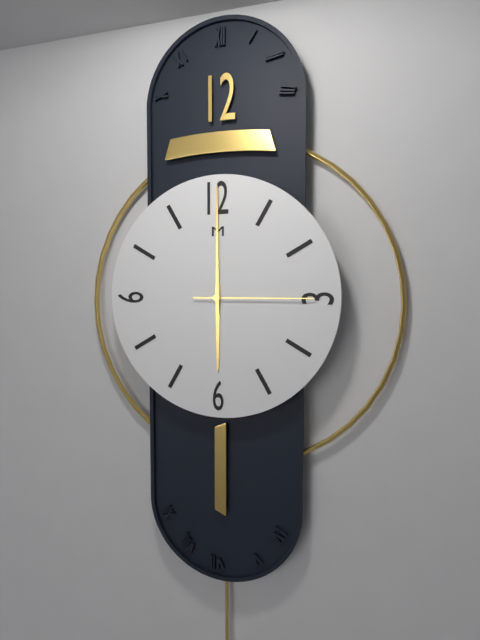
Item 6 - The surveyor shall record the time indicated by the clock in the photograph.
6:00:15
